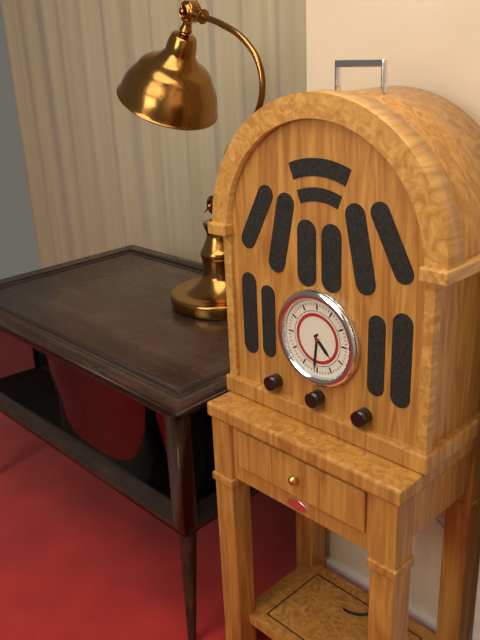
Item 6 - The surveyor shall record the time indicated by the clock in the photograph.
4:31
